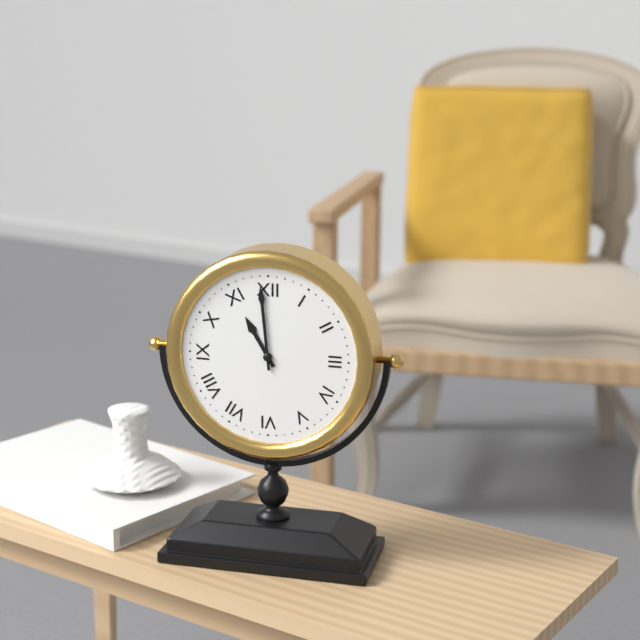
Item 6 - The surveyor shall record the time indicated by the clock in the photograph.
10:59
